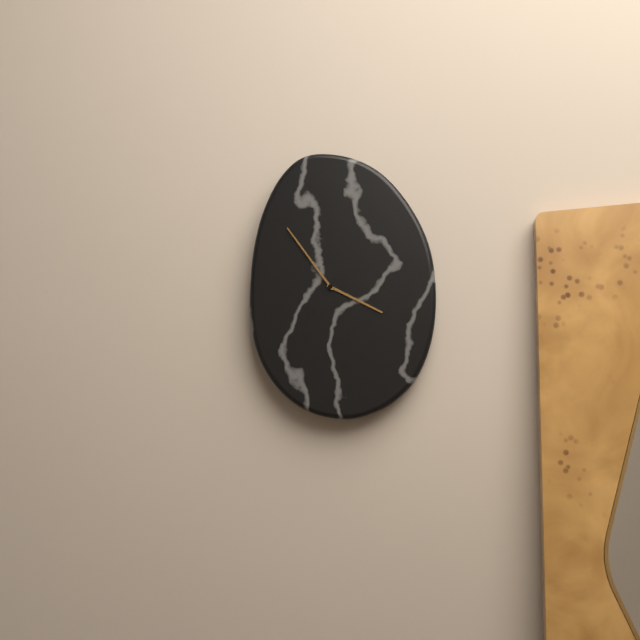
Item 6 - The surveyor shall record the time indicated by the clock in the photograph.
3:54
